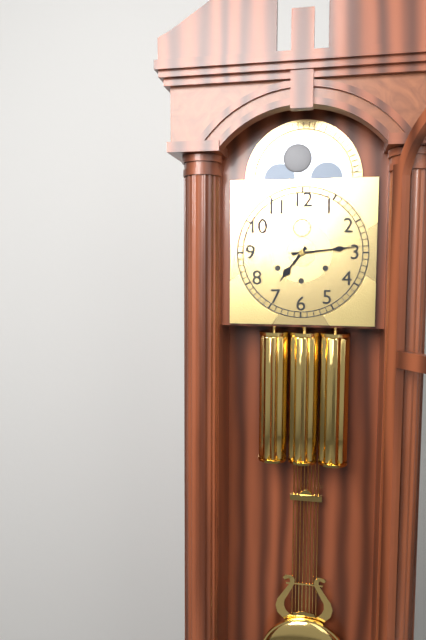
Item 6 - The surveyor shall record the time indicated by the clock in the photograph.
7:14
